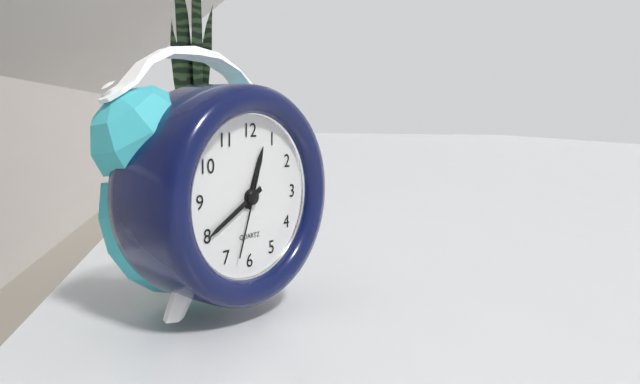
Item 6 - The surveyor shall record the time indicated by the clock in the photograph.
12:40:33
